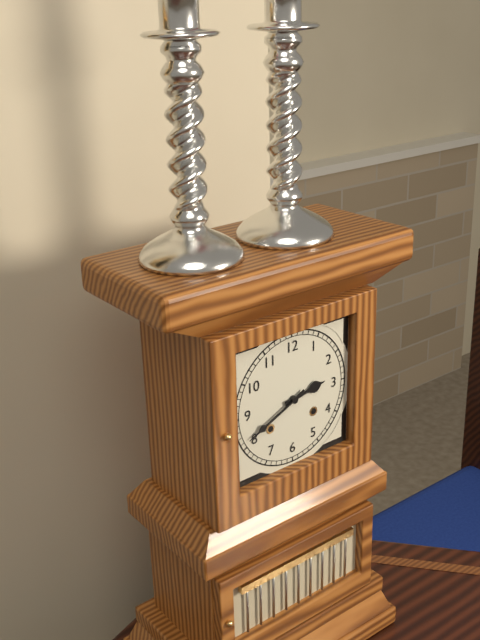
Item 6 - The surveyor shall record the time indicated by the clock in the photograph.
2:41
